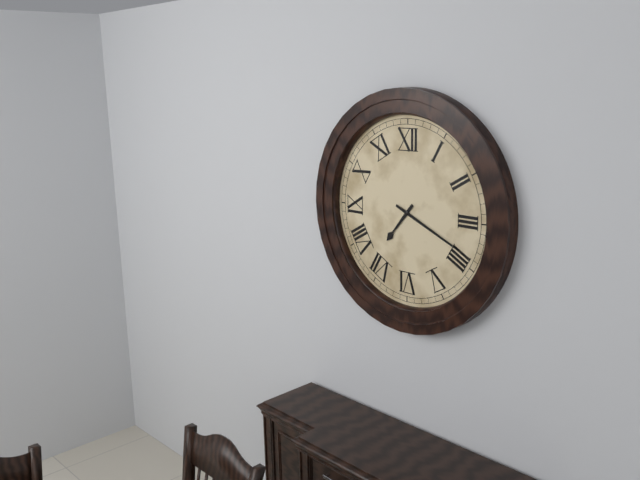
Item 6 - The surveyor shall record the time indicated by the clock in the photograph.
7:19
